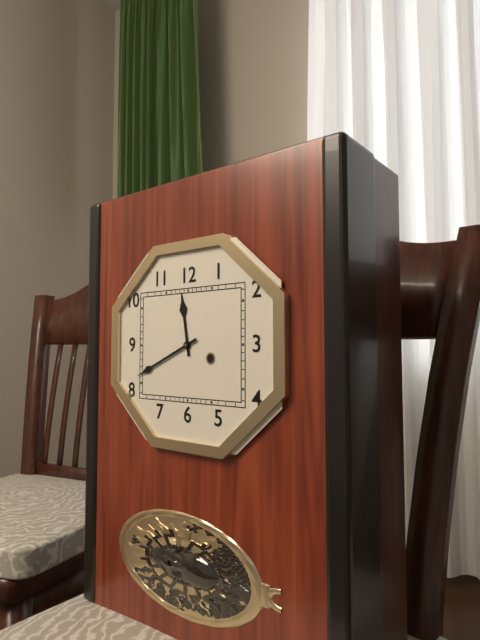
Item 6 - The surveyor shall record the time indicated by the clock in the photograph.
11:41
